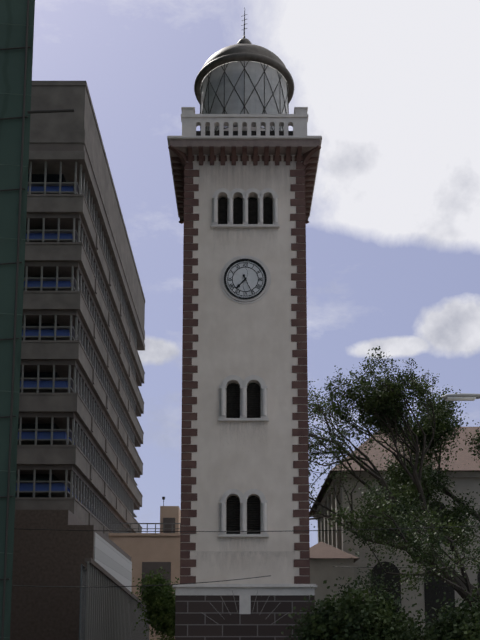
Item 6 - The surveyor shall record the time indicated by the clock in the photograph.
7:26
